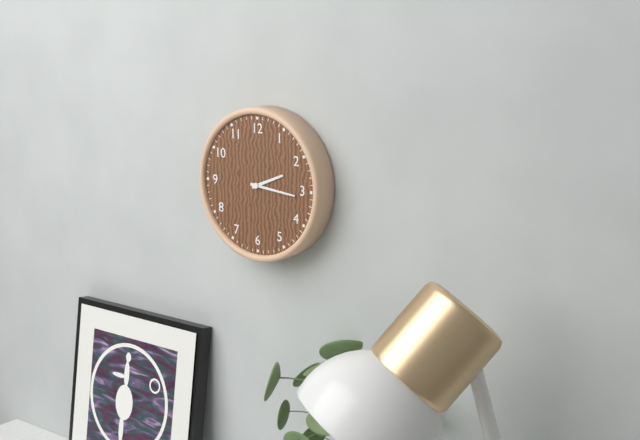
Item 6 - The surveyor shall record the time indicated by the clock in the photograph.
2:16
